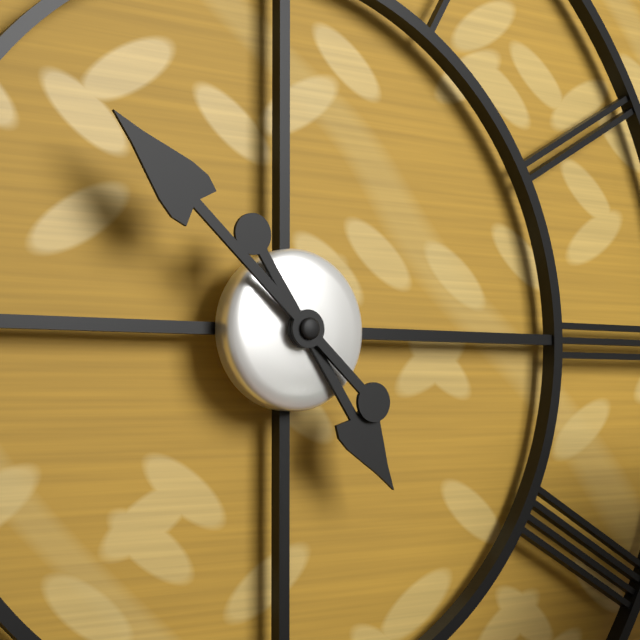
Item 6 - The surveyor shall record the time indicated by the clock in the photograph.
4:52
